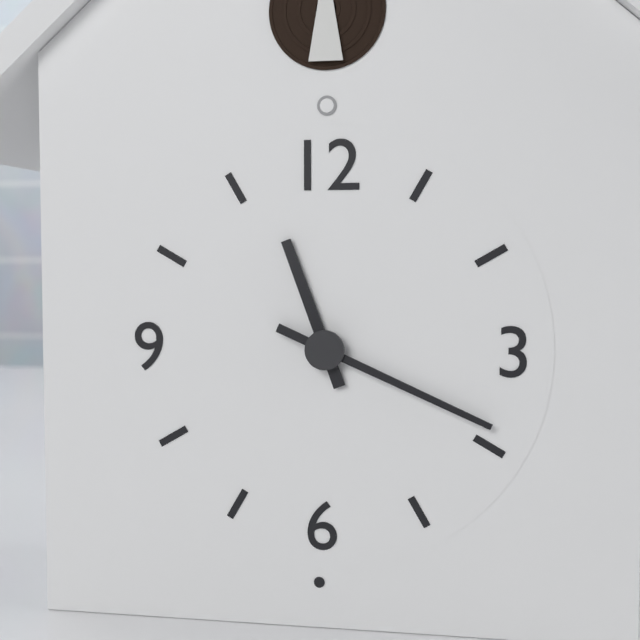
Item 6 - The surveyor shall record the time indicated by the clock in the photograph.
11:19
